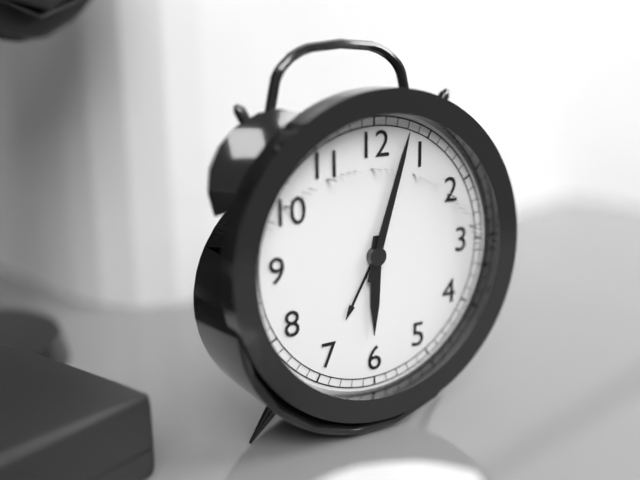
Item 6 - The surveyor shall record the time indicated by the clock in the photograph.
6:03
